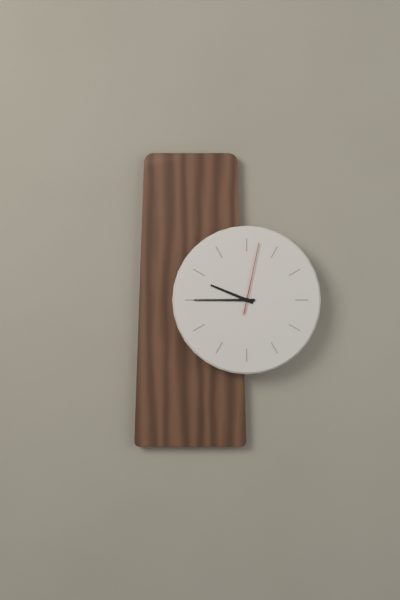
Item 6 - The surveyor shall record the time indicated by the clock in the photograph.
9:45:02
